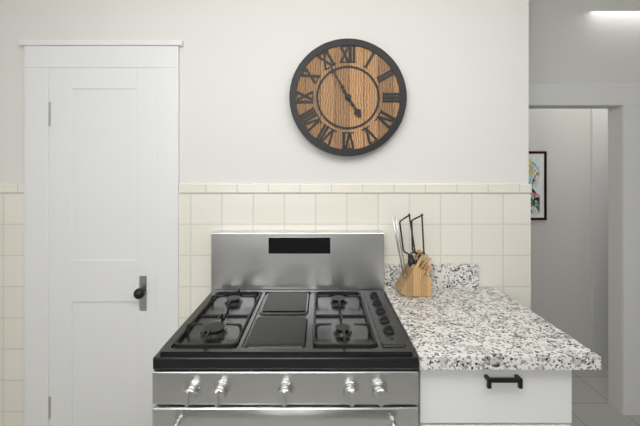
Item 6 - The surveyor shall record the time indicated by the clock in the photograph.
4:55
